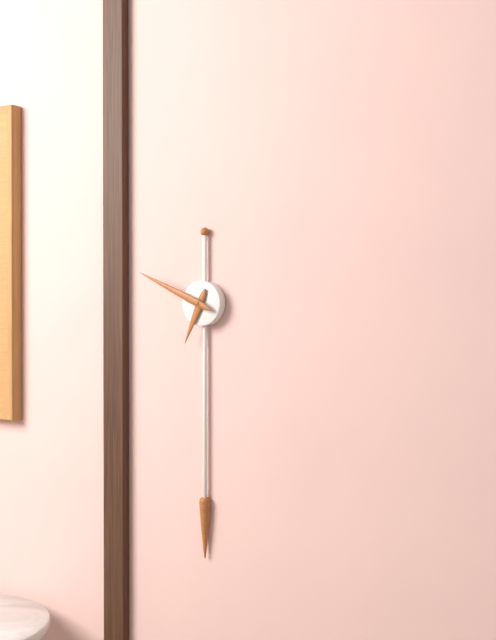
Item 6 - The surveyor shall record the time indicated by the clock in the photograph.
6:49
